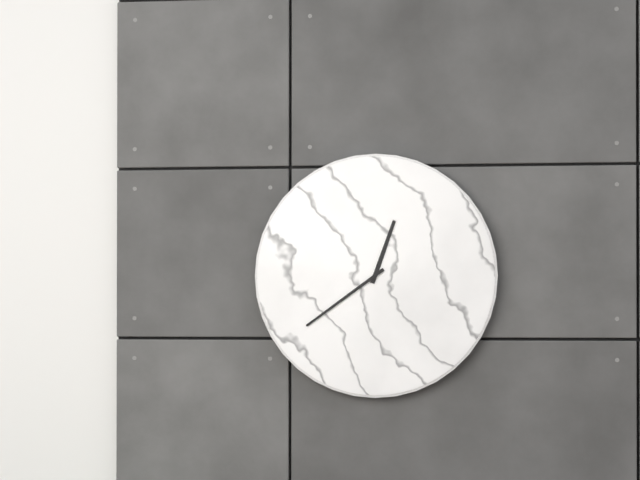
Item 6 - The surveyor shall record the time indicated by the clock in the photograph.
12:39
